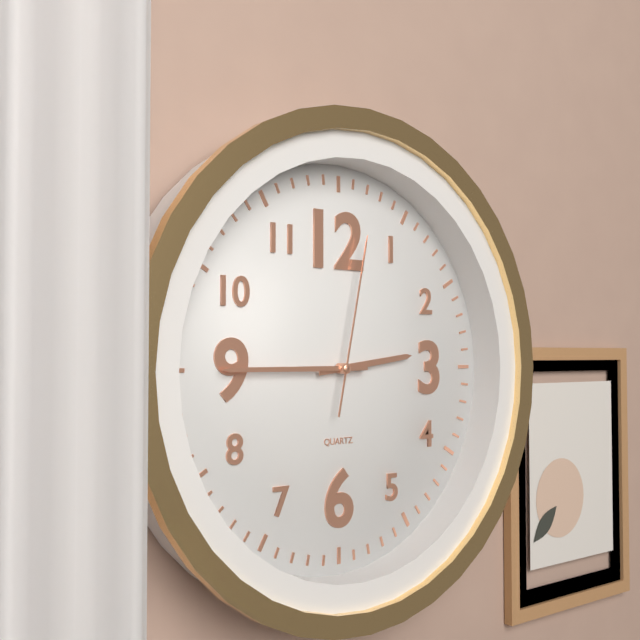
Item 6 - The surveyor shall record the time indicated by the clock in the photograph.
2:45:02
